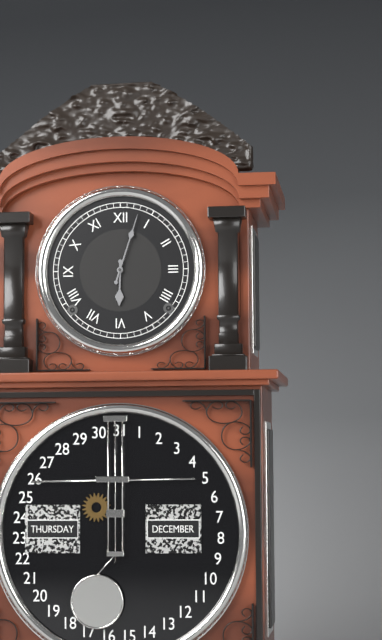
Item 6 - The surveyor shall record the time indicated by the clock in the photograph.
6:03
